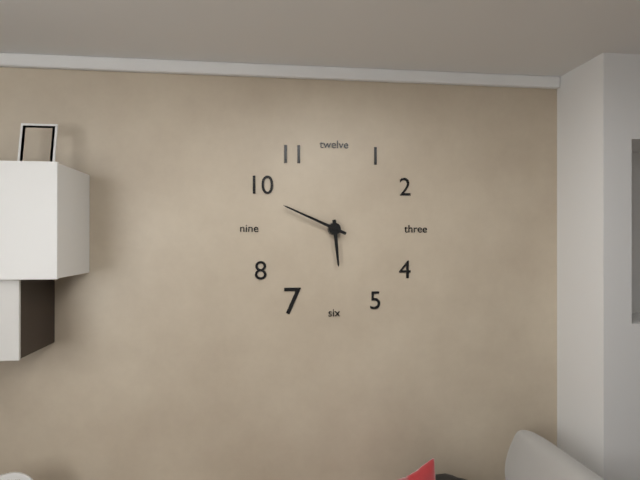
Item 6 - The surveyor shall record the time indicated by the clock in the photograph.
5:49
